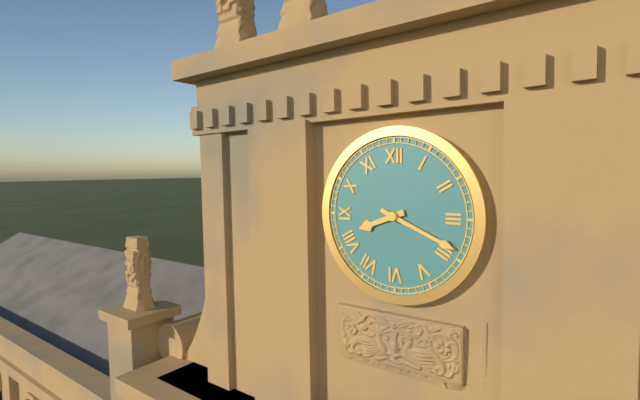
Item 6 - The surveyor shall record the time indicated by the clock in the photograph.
8:19
